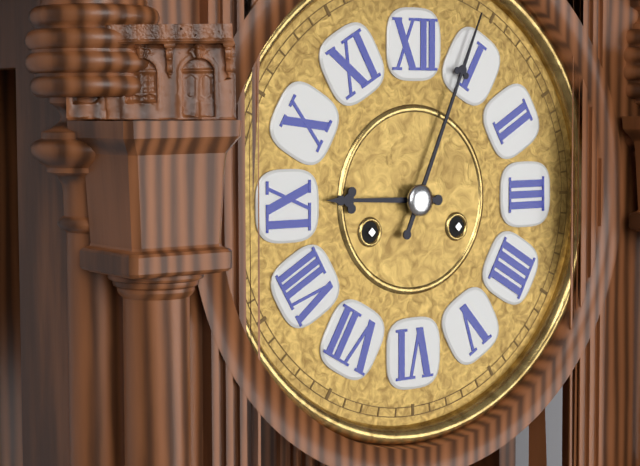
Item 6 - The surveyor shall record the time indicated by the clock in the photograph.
9:04
